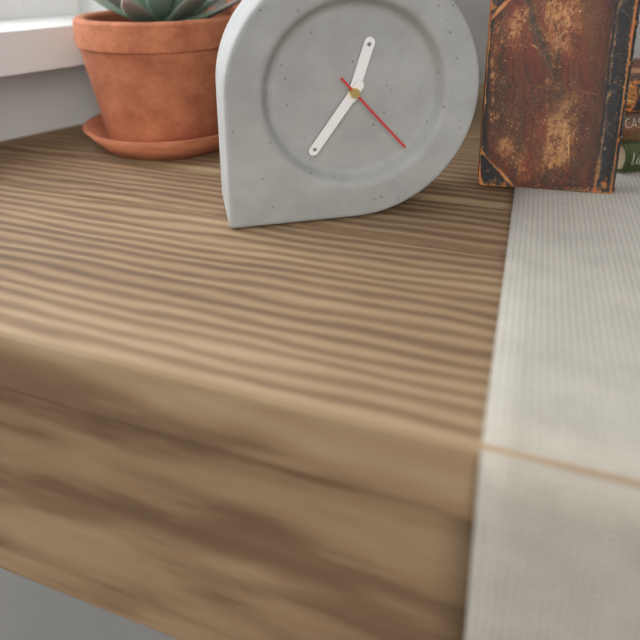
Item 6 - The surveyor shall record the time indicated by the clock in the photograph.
12:36:23
